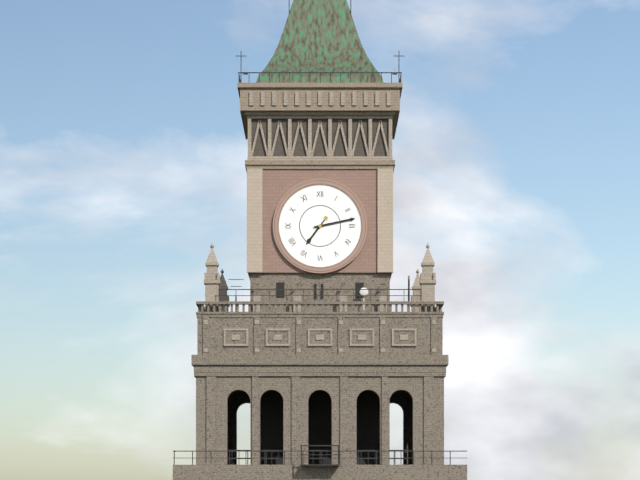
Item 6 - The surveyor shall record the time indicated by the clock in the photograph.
7:13
